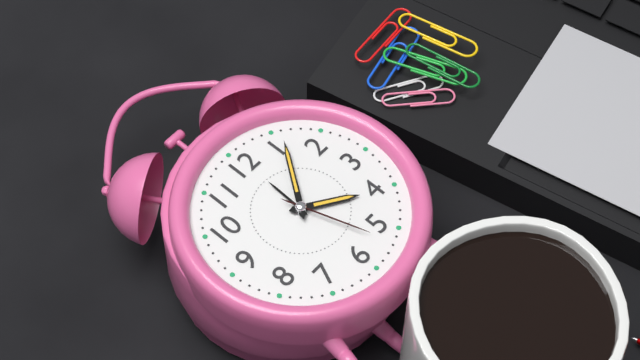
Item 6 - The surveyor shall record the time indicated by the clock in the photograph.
4:06:27
